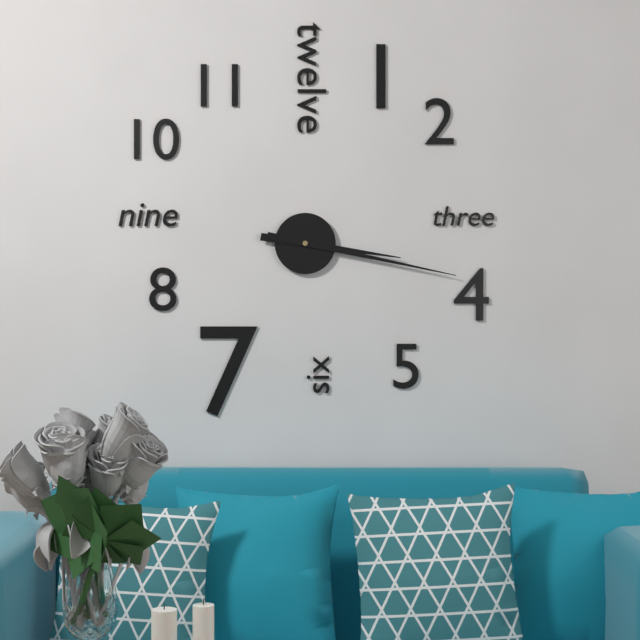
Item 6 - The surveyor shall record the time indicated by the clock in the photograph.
3:17
